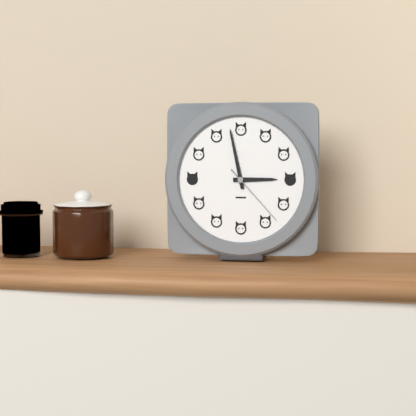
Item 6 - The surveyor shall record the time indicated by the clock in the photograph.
2:58:23
